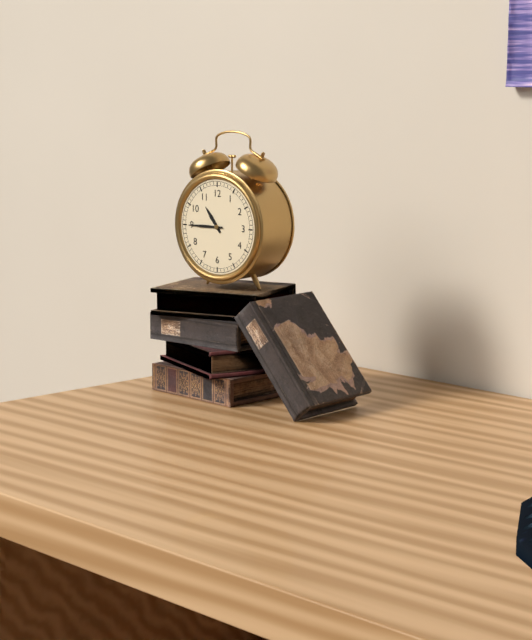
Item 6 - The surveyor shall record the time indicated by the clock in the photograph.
10:45
